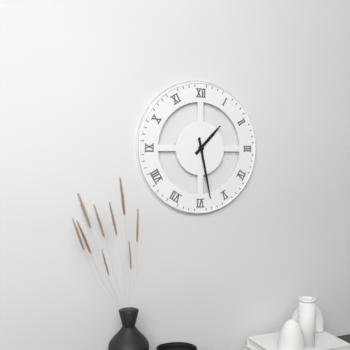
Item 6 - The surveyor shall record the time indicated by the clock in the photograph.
1:28
